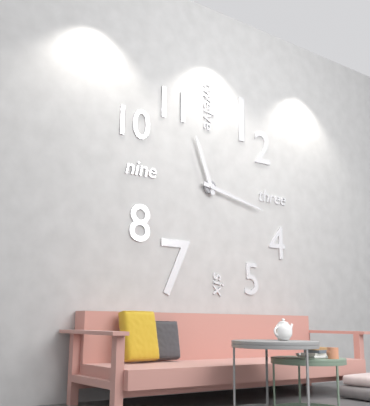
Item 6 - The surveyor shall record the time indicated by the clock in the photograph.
11:17
